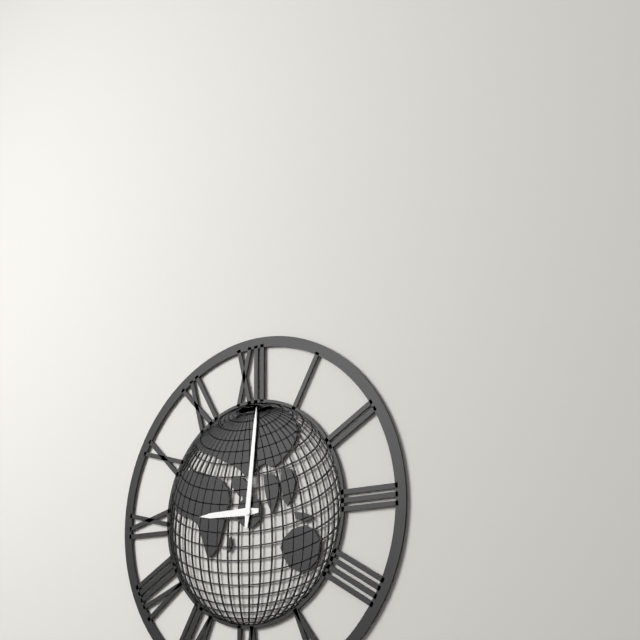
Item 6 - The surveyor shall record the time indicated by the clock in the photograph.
9:01
